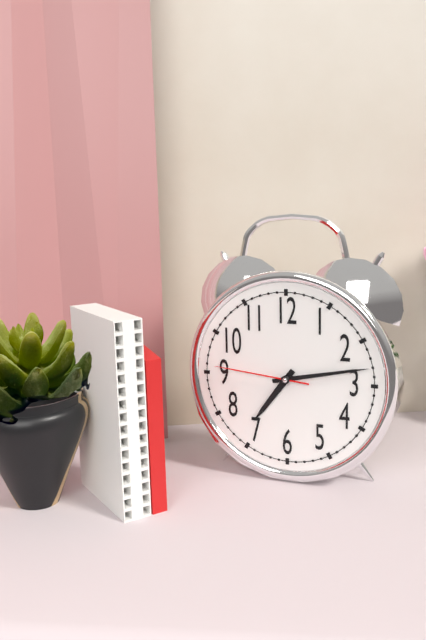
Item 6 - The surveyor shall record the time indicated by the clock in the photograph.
7:13:46
